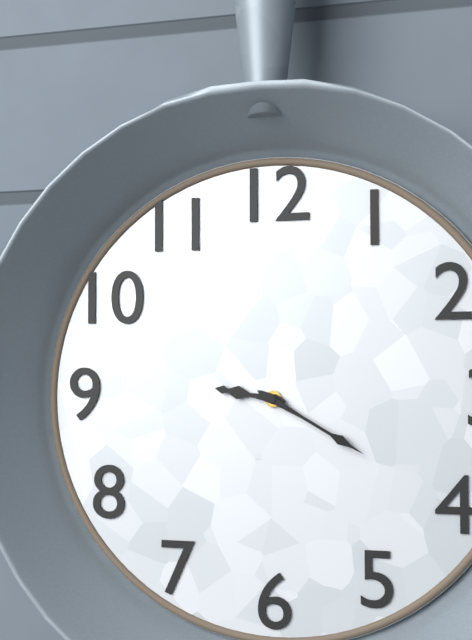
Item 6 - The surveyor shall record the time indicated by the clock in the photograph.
9:20
